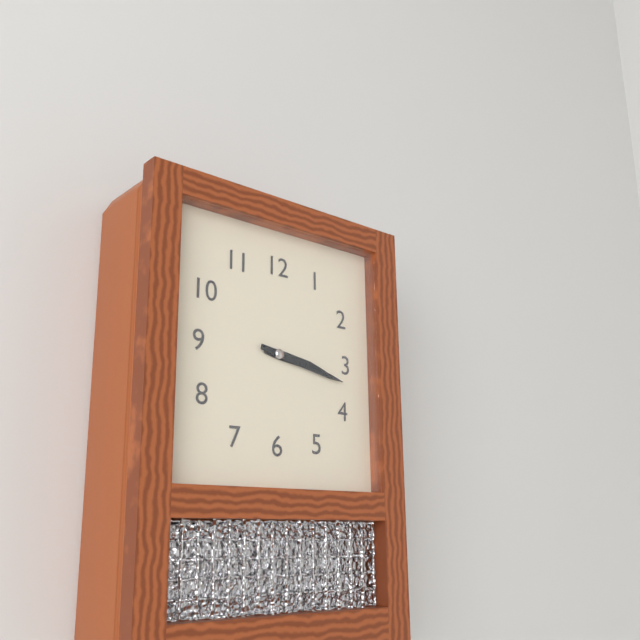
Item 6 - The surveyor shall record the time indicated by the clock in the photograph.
3:17
